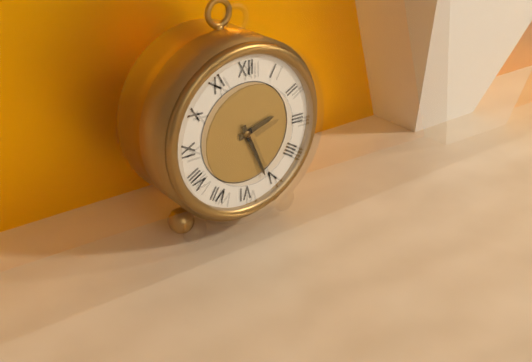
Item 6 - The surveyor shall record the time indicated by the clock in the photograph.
2:26
